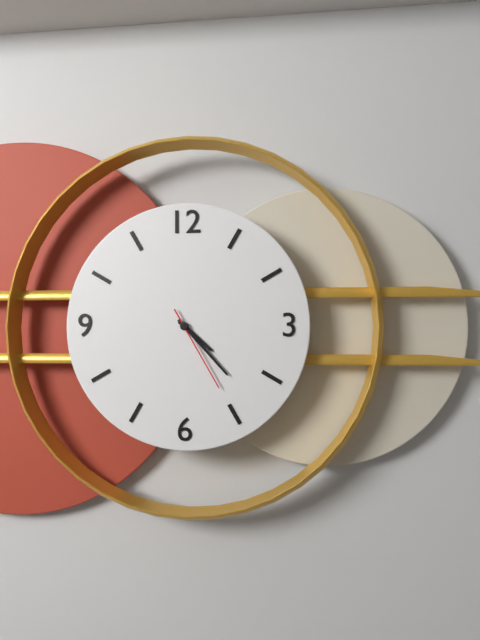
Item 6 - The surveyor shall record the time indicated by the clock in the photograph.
4:23:25
